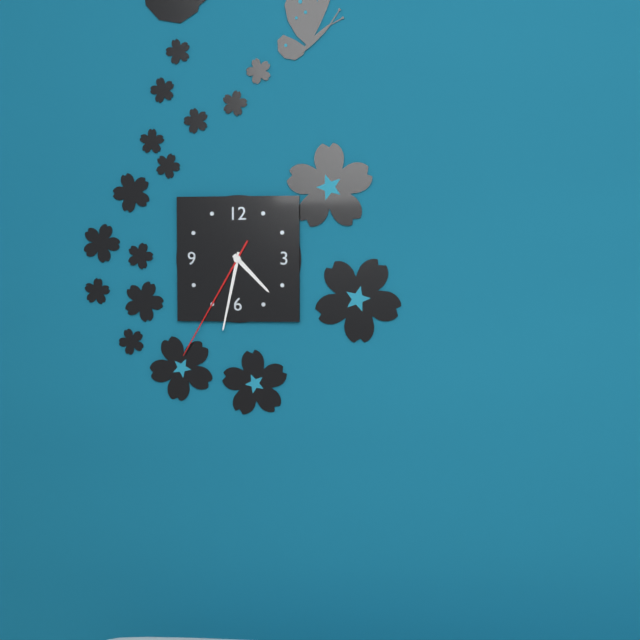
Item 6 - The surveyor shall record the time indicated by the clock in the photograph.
4:32:35
